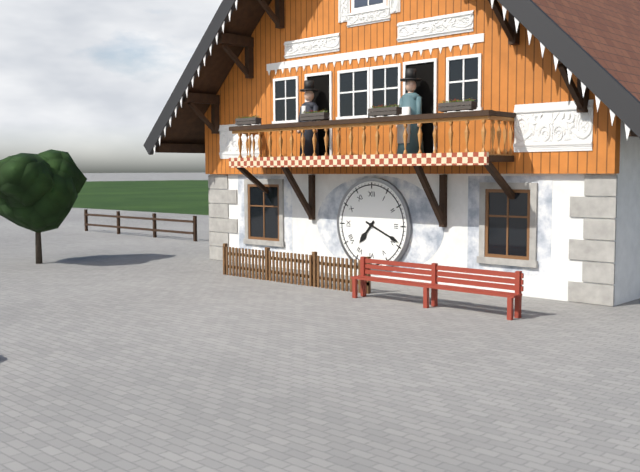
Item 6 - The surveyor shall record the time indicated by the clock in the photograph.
7:19
